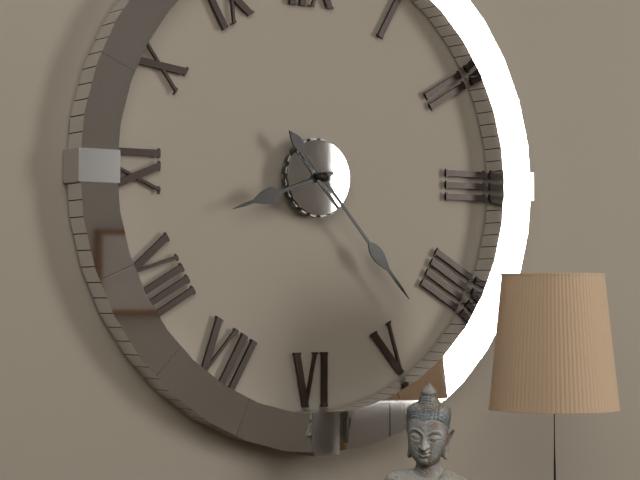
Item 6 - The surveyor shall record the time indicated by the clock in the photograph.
8:23
